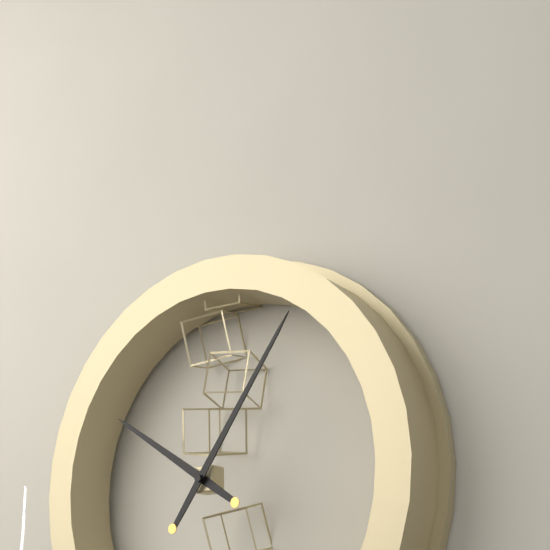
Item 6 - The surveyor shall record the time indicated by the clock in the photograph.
10:06
